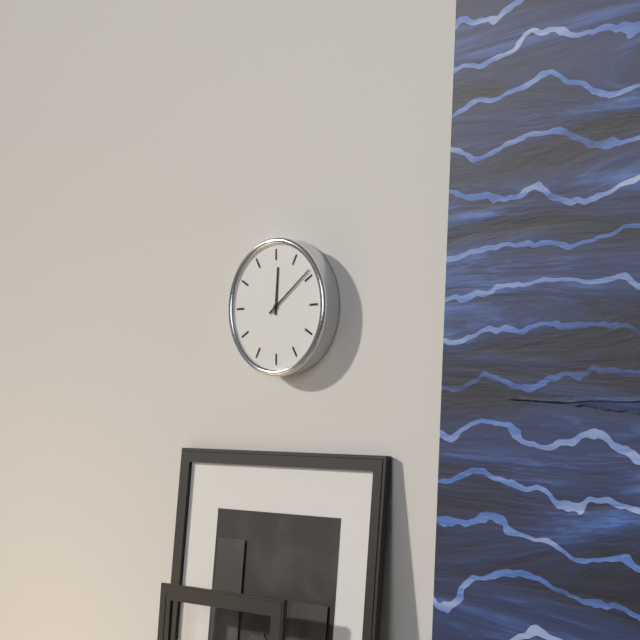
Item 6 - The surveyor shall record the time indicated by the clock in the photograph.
12:09
